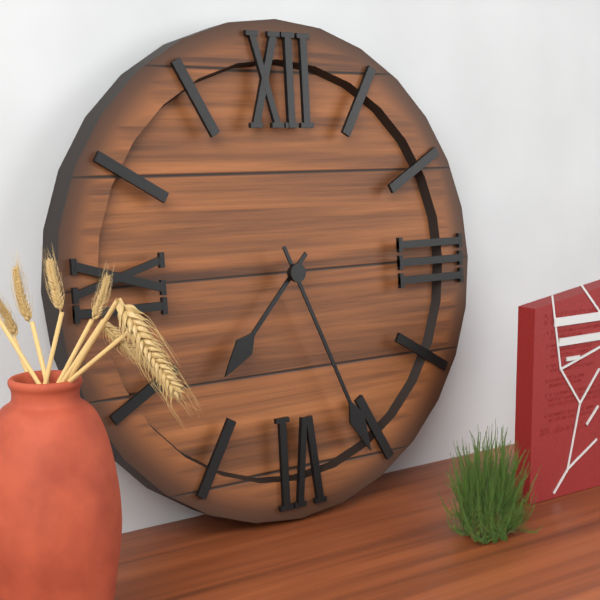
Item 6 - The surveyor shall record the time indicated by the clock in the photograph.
7:26
